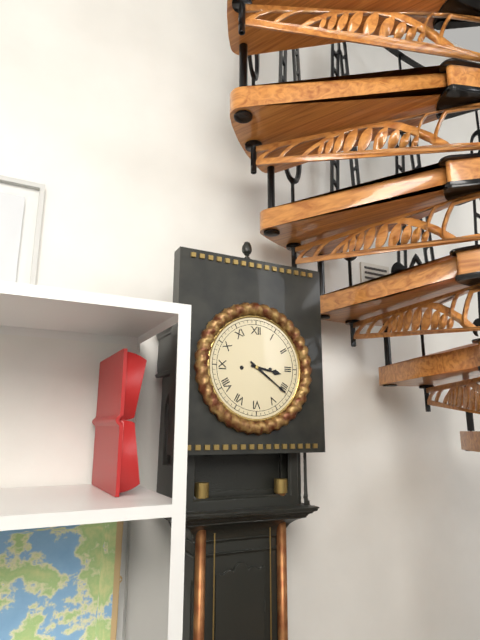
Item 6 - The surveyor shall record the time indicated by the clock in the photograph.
3:21
